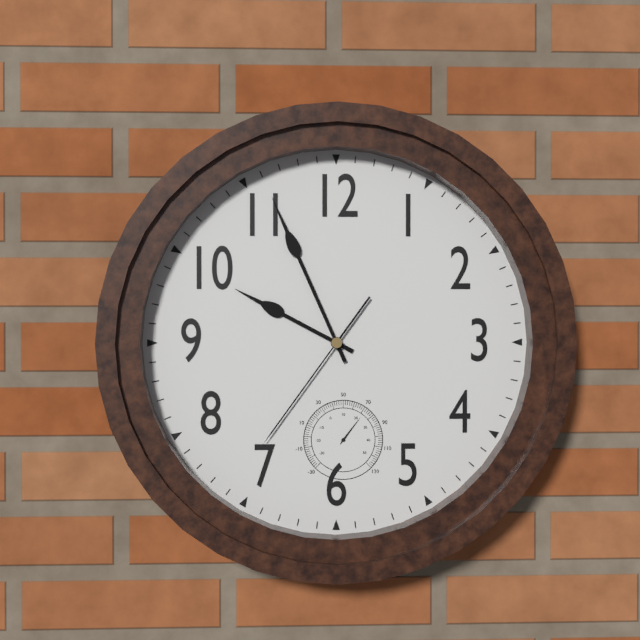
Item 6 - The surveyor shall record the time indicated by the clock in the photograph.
9:56:36
